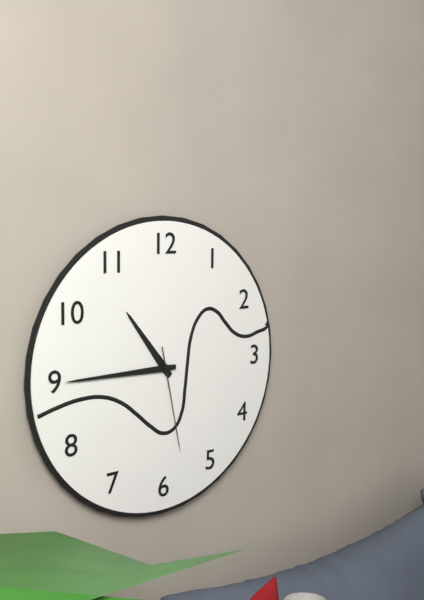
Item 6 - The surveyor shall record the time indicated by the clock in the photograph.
10:45:28
